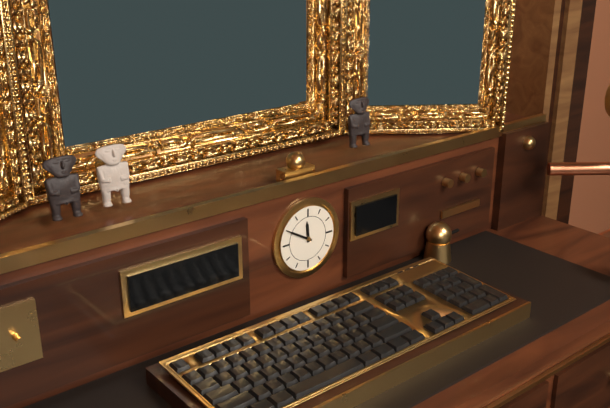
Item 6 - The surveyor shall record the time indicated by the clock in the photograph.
11:50
